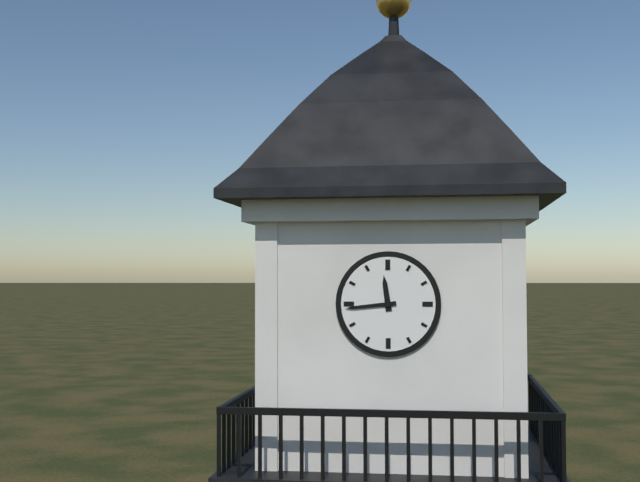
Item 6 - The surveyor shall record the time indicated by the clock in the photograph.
11:44
